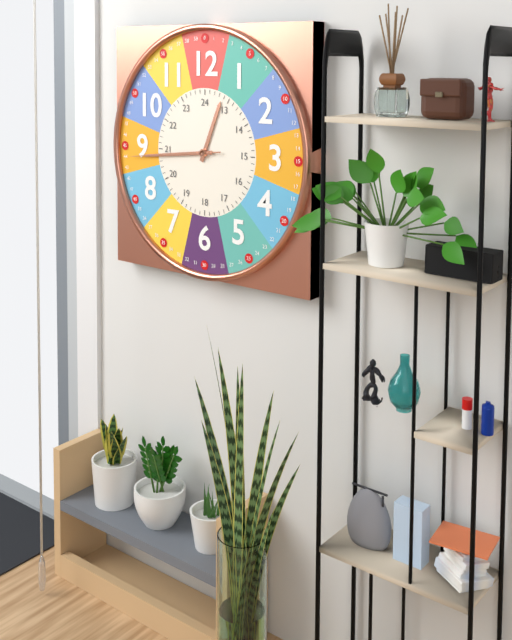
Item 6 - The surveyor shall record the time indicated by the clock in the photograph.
12:44:44
